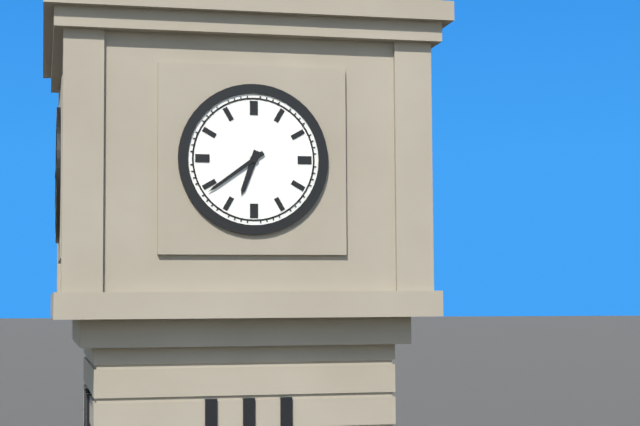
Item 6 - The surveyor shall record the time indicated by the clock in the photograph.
6:39
